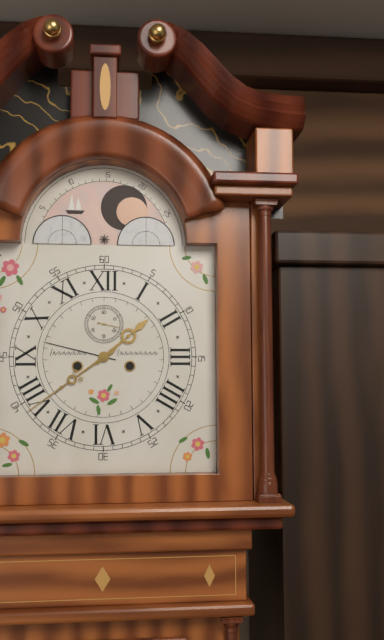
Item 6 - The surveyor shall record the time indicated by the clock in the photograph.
1:39
